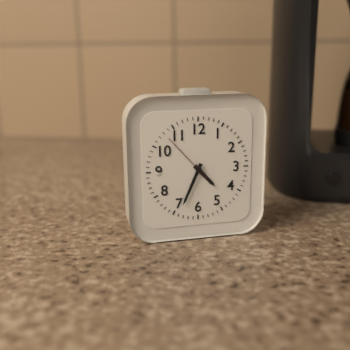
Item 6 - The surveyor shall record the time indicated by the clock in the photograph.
4:34:53
